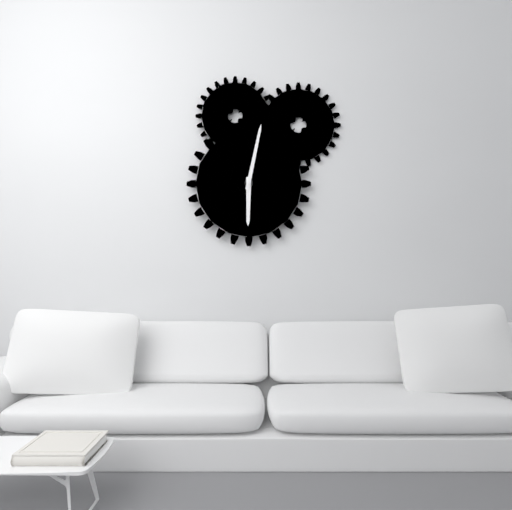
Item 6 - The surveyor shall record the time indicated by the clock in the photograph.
6:02
